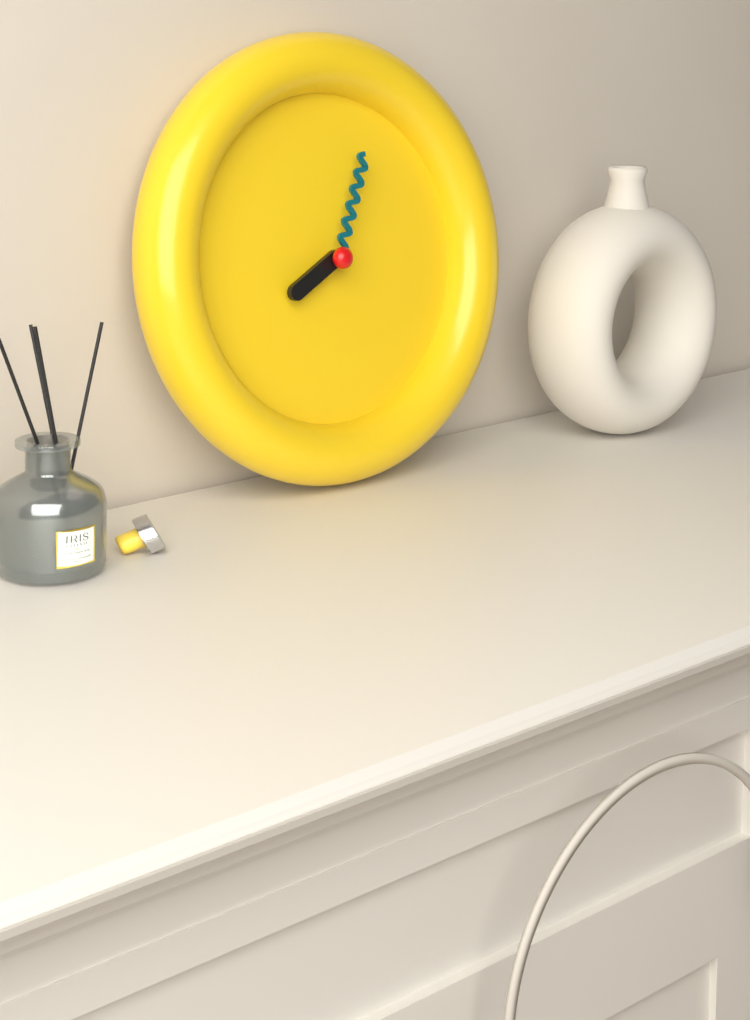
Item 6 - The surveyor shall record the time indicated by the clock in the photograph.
8:04
